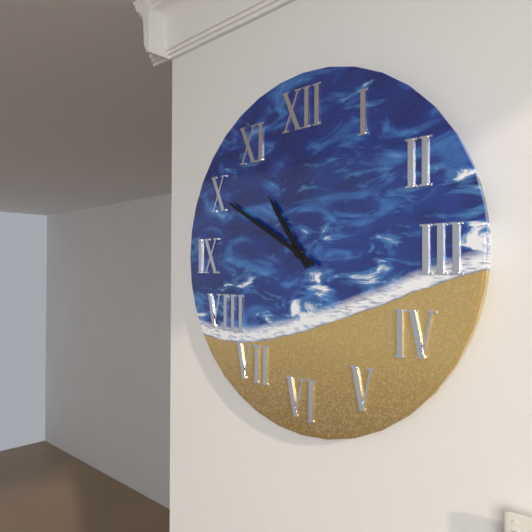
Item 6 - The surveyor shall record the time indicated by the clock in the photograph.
10:50
